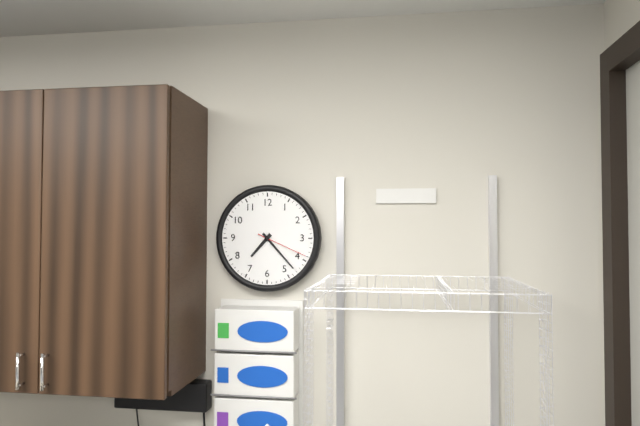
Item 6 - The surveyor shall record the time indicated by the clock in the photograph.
7:23:19
